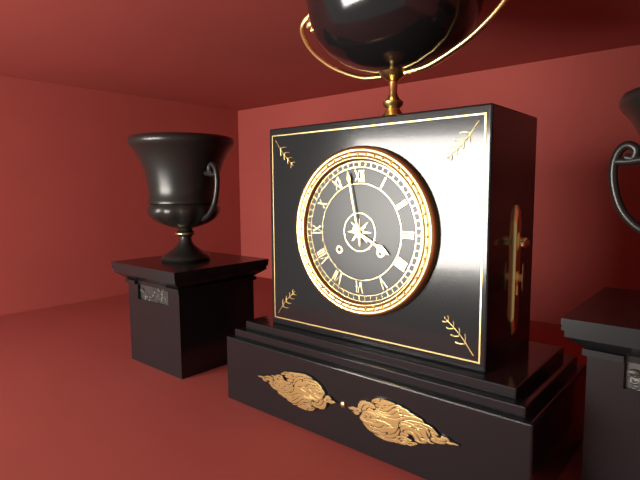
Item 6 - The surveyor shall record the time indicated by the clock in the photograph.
3:58
